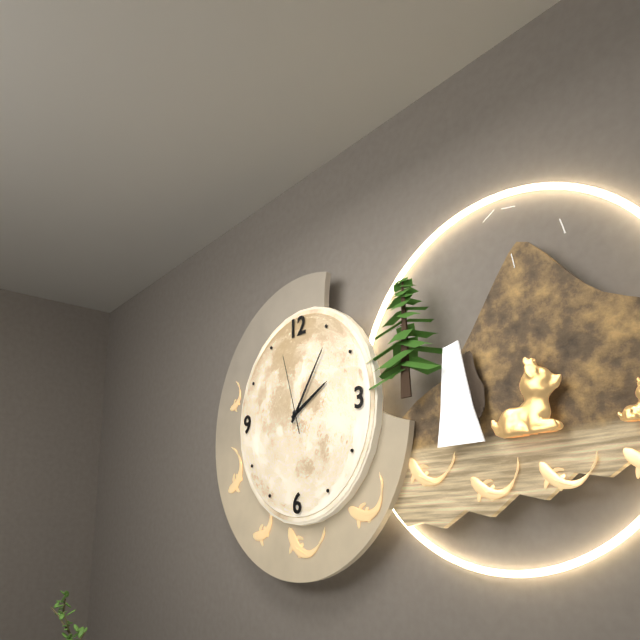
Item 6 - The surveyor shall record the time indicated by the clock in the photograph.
2:06:57
